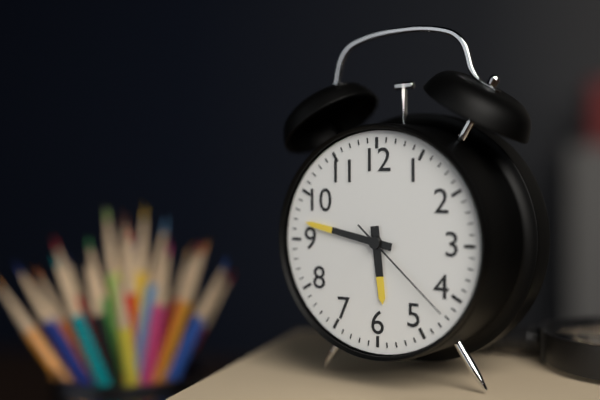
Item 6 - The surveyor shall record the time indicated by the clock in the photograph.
5:47:22
